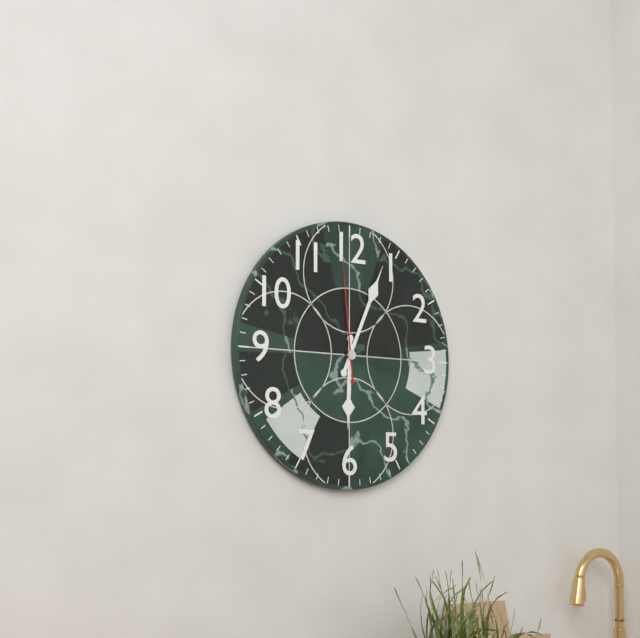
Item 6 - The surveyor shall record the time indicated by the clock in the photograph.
6:04:59
